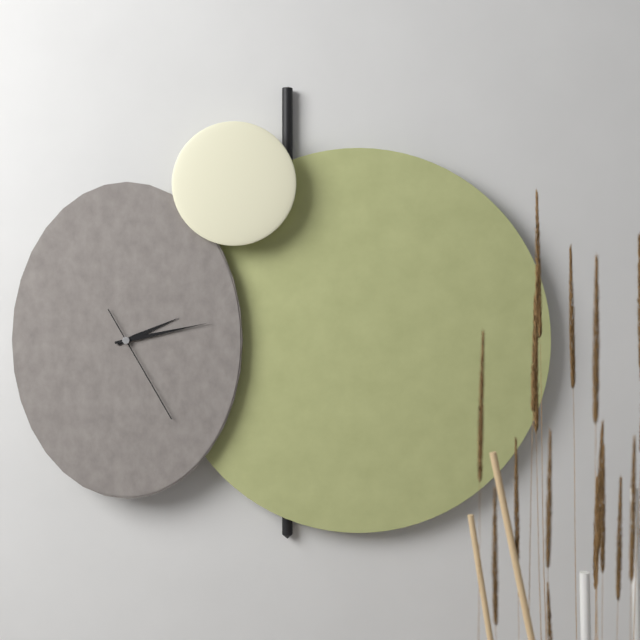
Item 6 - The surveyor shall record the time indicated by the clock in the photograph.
2:13:25
